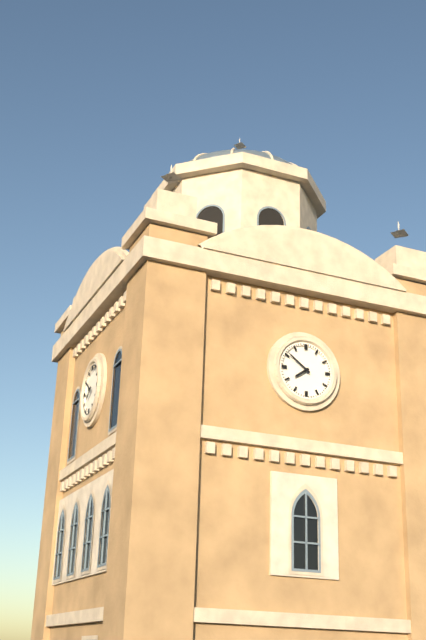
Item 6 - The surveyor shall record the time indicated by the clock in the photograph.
7:51
